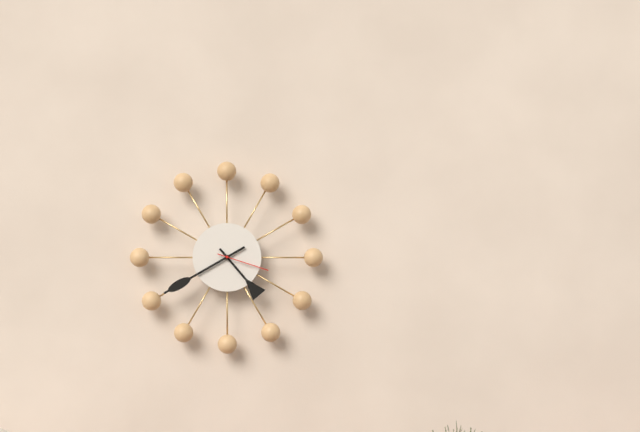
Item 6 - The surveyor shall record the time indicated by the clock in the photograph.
4:40:18
